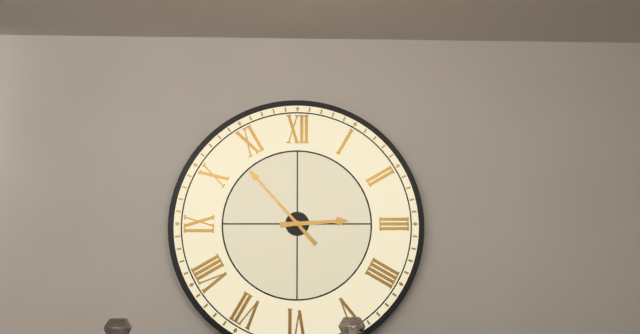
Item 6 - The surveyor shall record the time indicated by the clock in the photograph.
2:53
